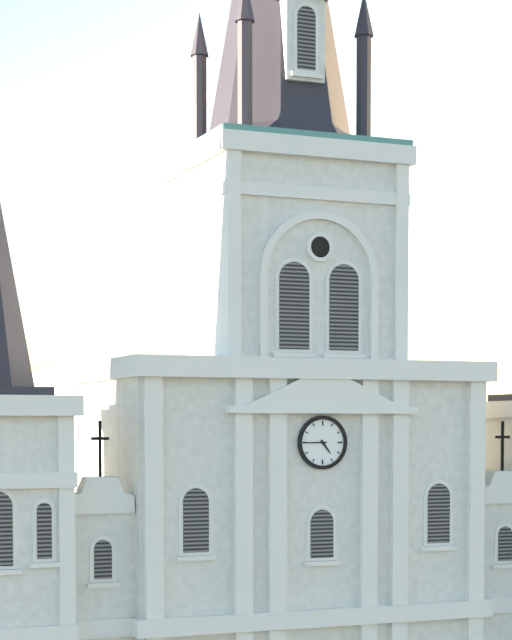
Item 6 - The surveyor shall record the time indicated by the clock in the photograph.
4:45
